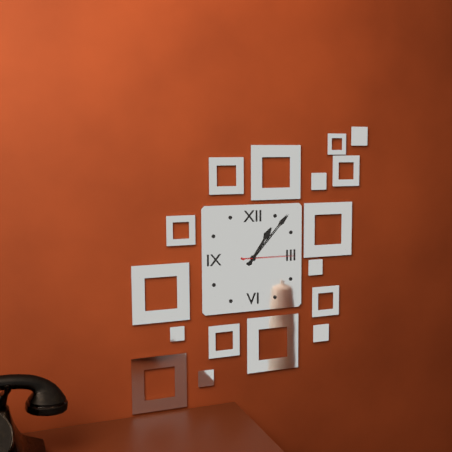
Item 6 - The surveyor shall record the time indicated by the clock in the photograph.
1:07:15
